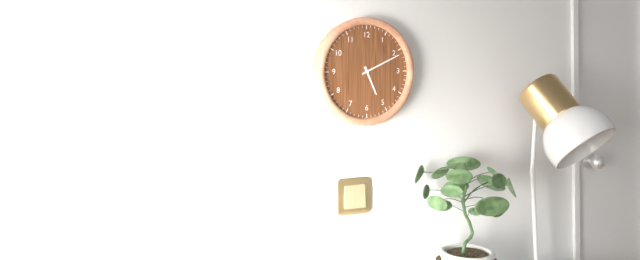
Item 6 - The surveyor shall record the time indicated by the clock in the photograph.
5:11
